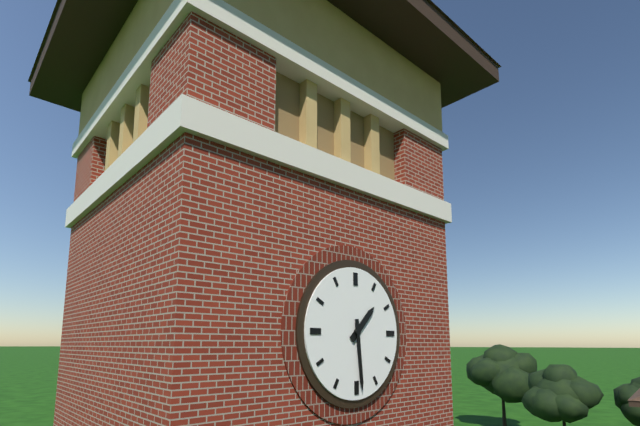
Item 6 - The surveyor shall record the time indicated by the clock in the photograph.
1:29
